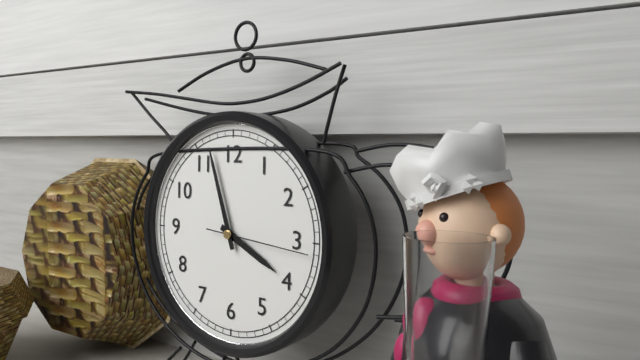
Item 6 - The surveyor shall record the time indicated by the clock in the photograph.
3:57:16
